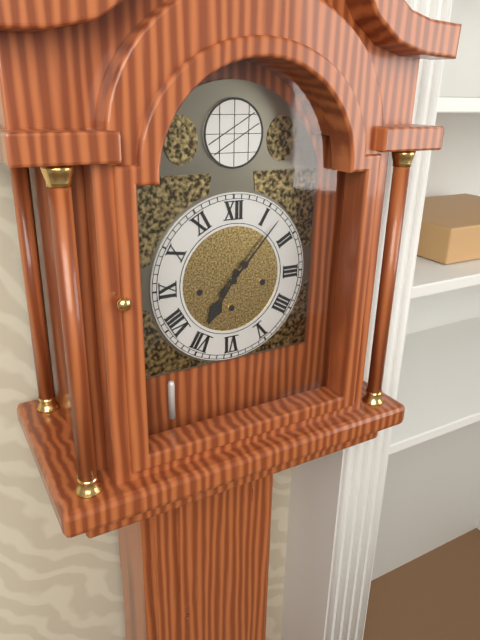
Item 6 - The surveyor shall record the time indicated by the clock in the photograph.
7:07
